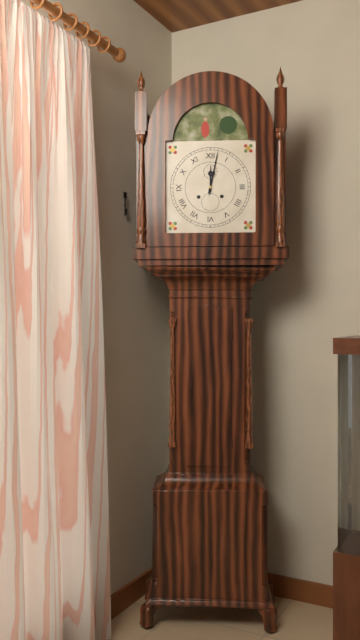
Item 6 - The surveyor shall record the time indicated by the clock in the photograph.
12:02
